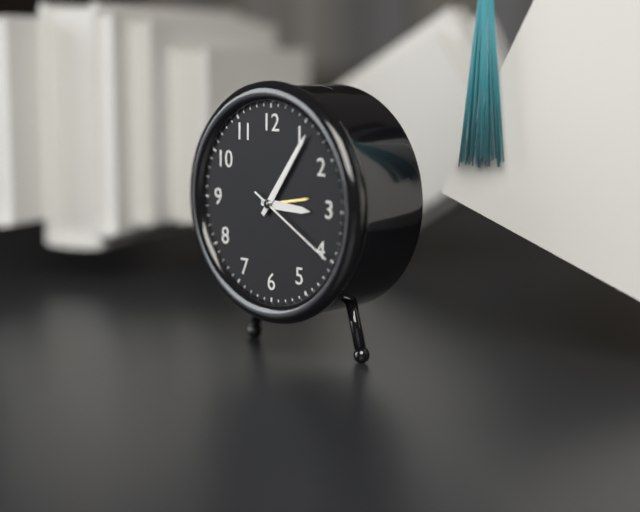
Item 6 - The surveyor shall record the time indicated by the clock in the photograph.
3:06:20
